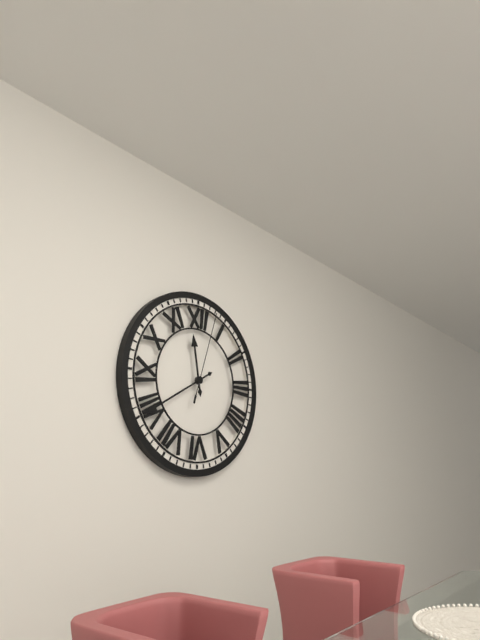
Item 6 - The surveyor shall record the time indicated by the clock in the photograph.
11:40:03
